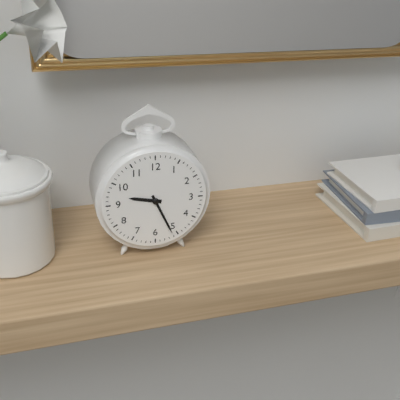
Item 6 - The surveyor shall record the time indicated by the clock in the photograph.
9:26
